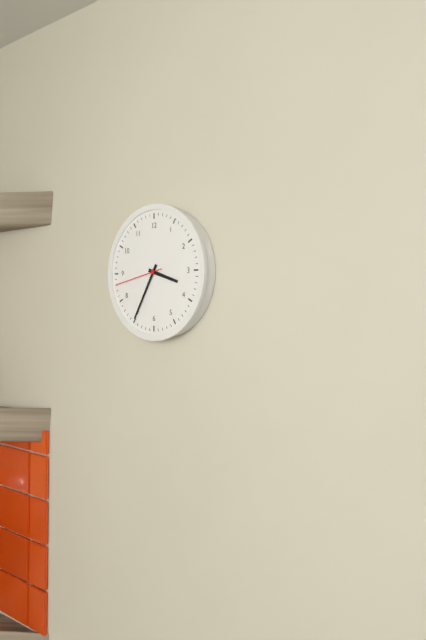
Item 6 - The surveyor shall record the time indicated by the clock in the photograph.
3:35
